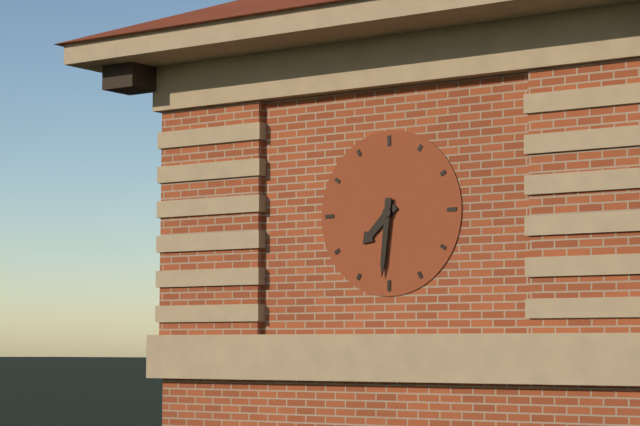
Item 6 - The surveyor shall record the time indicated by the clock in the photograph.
7:31
